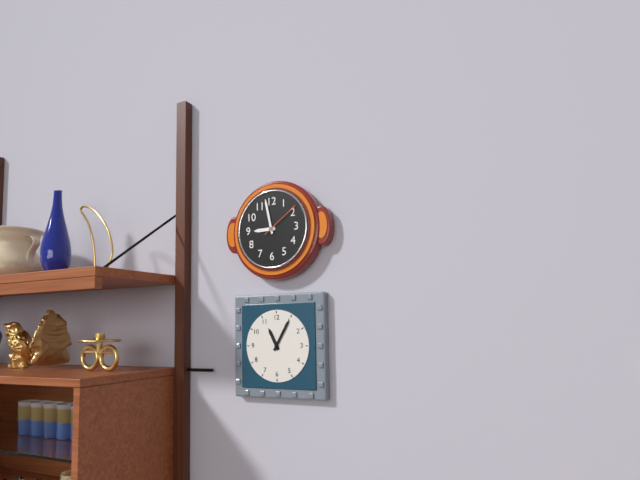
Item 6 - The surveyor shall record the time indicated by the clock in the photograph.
8:58
